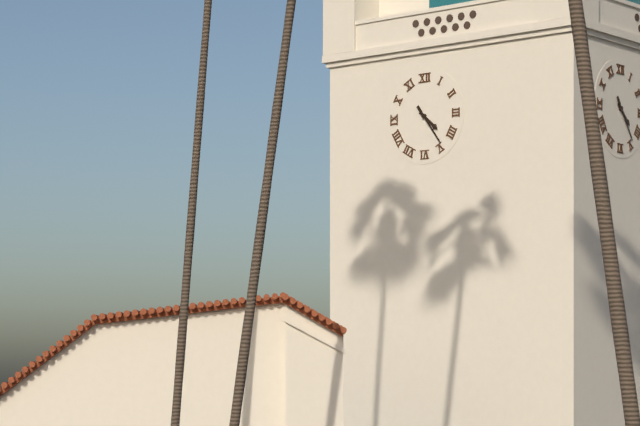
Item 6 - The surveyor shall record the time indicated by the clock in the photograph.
4:24
